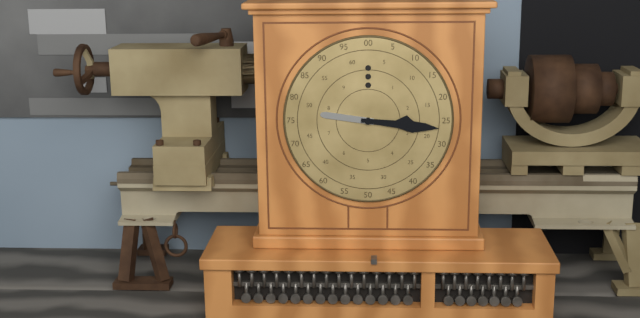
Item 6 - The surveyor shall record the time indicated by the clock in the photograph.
9:16
